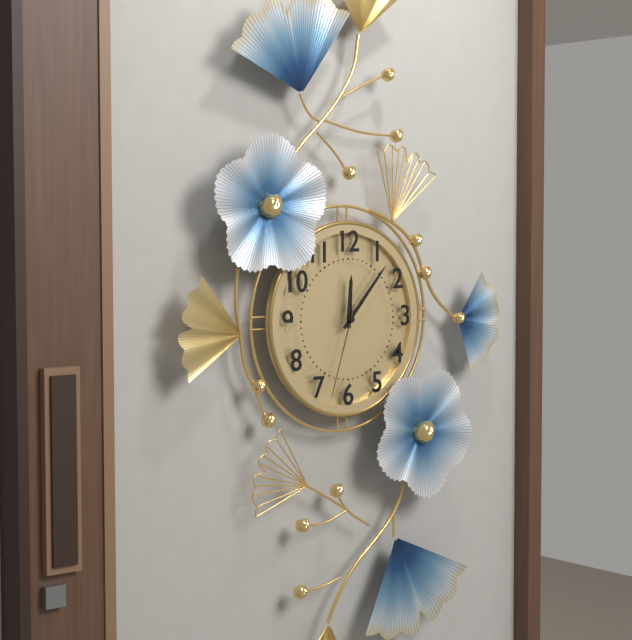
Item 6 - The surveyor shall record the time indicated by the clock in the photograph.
12:07:33
